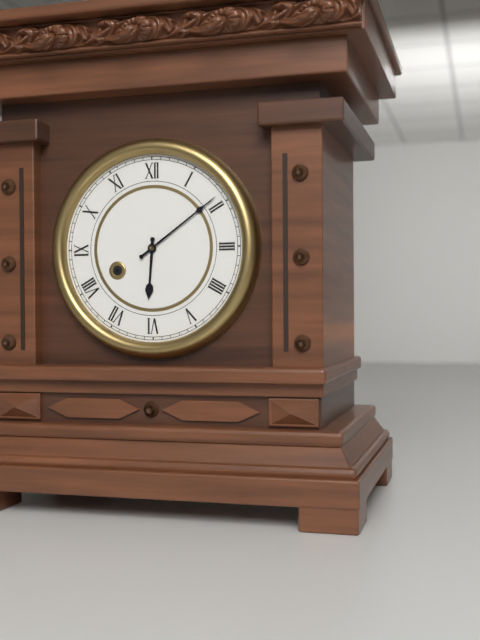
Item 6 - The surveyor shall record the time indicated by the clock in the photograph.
6:09
